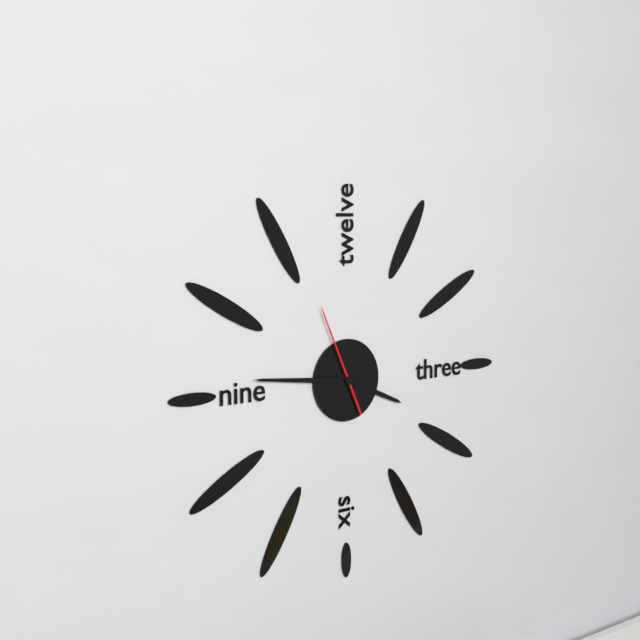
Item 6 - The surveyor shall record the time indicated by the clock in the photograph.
3:46:56
